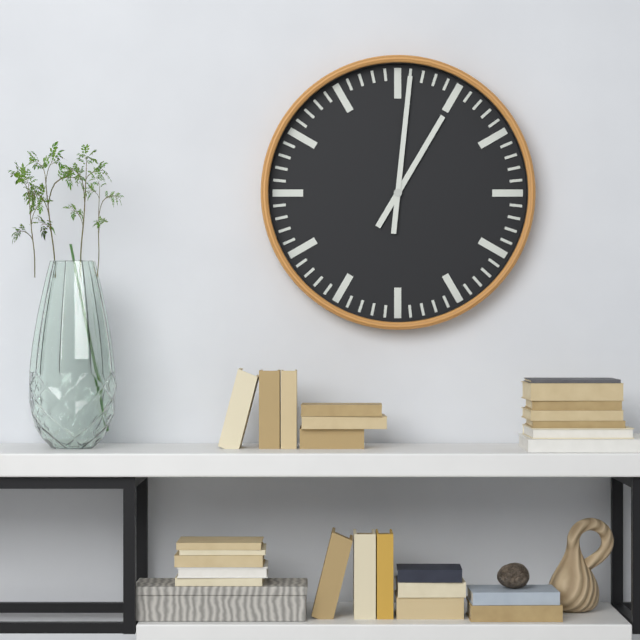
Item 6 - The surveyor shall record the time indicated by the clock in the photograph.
1:01
